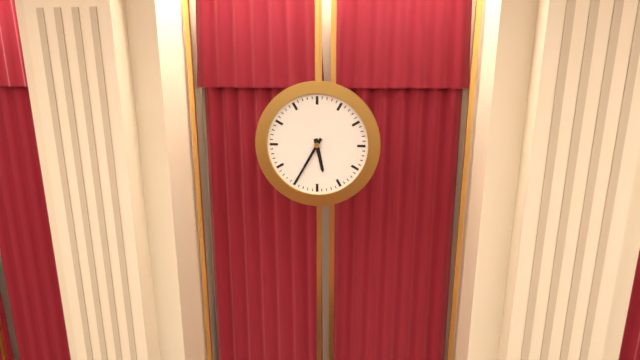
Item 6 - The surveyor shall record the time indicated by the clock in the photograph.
5:35
